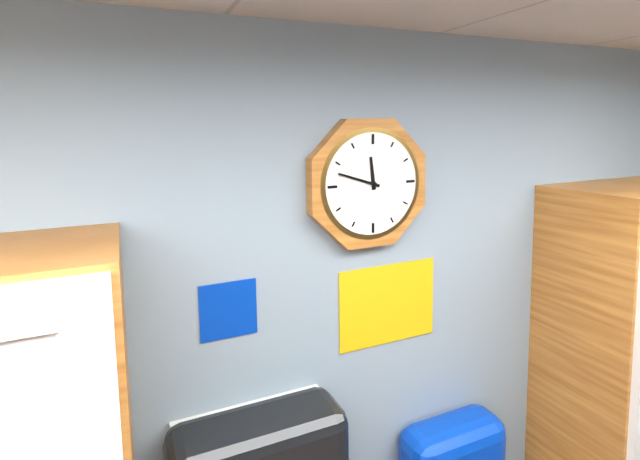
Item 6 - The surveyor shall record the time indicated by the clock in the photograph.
11:48
